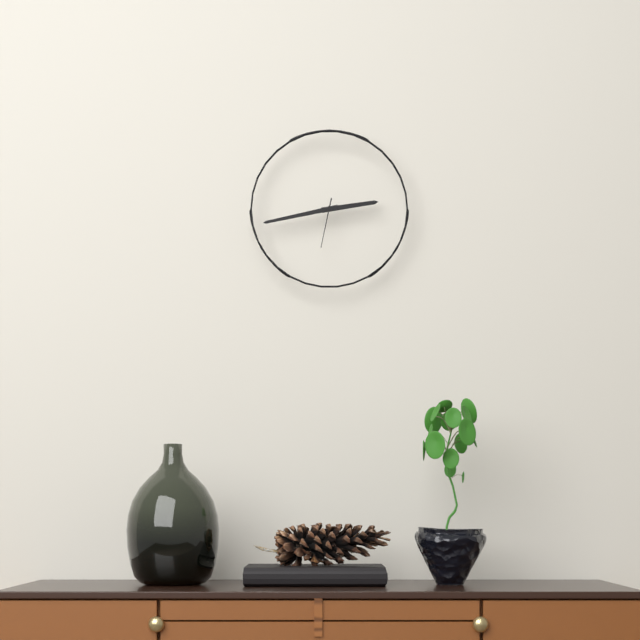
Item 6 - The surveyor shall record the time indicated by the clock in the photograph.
2:43:32
